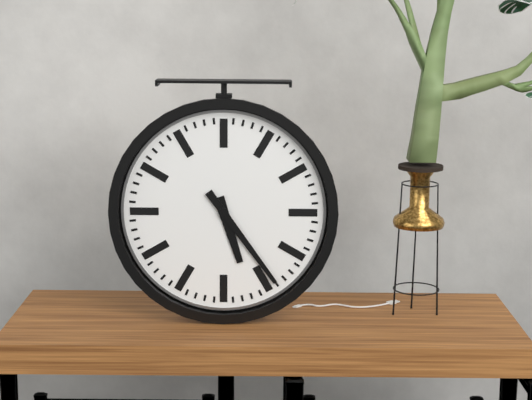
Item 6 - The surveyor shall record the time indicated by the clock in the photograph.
5:24
